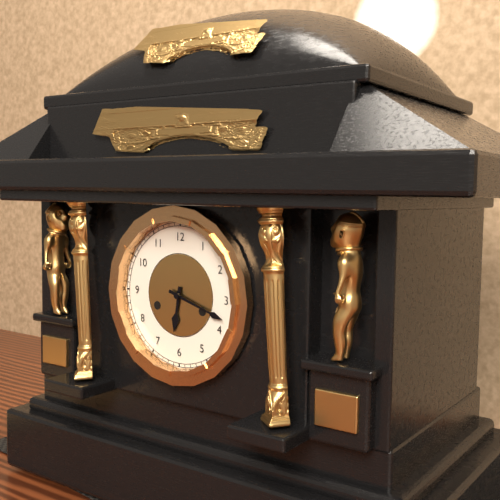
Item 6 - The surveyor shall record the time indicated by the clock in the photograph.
6:18
